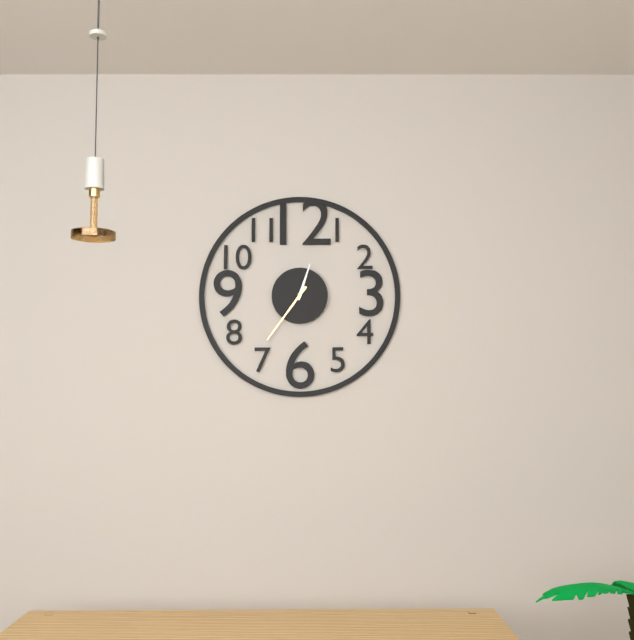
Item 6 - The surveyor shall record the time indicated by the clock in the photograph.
12:36
